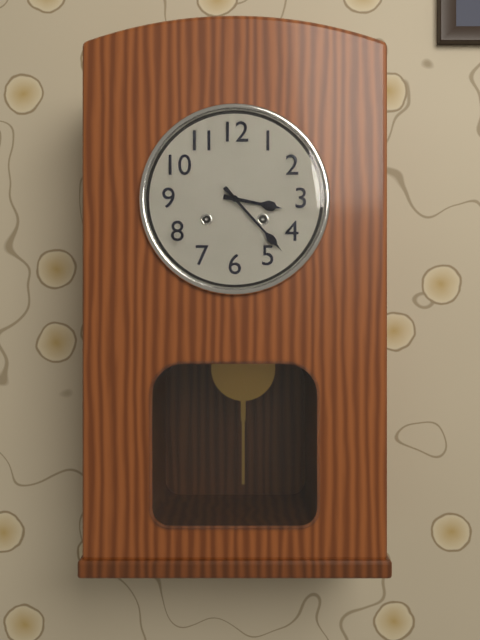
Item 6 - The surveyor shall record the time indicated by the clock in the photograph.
3:23
